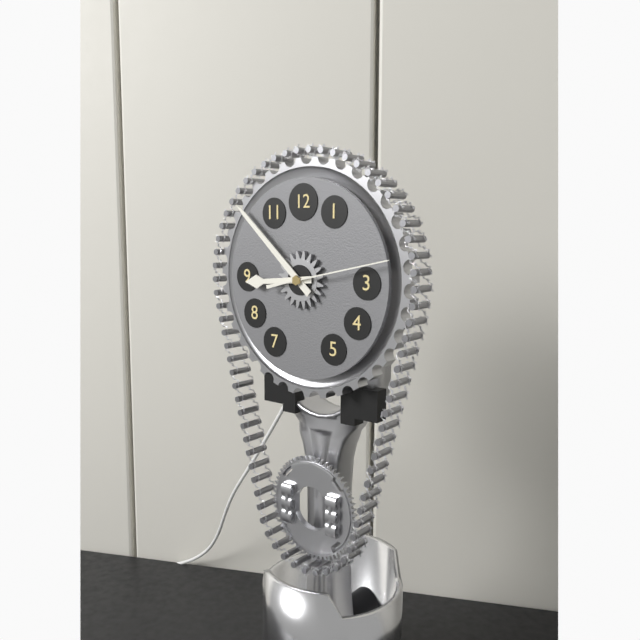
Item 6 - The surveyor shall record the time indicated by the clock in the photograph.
8:52:13
